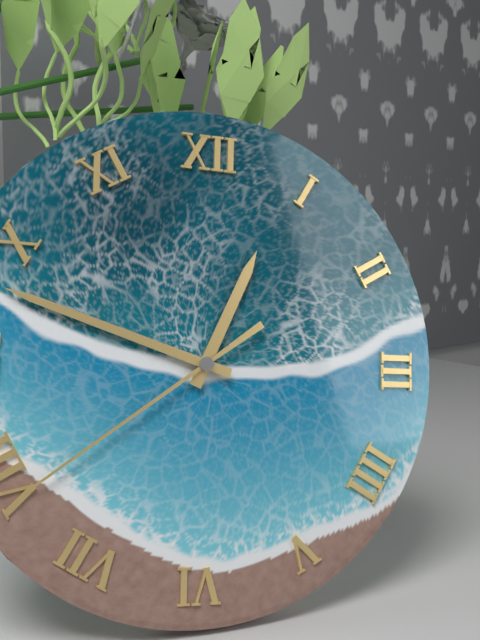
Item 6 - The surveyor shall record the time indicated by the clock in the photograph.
12:48:39
